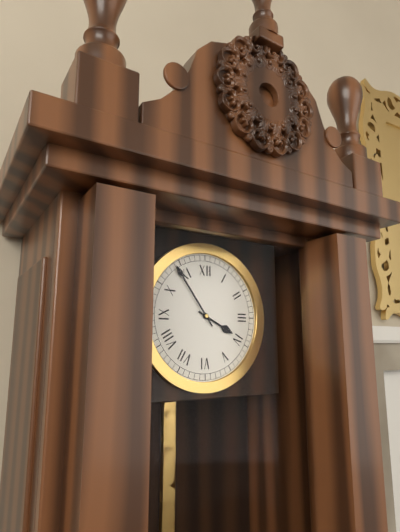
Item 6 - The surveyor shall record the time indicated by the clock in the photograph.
3:54
